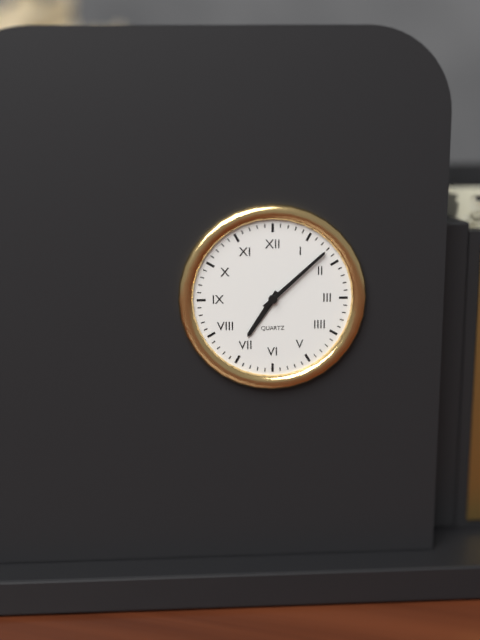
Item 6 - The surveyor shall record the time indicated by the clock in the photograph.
7:08
